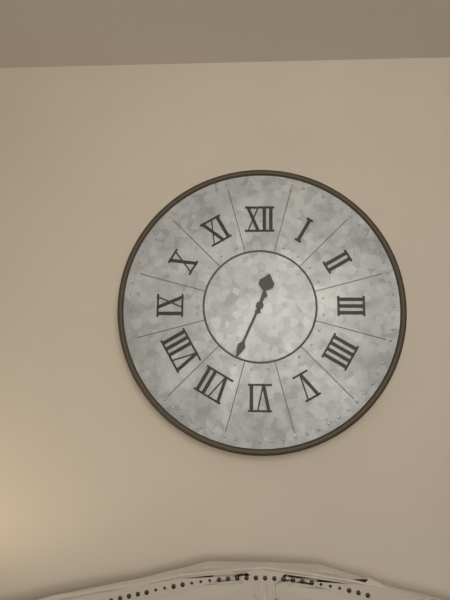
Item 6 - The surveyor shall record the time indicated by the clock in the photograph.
12:34
